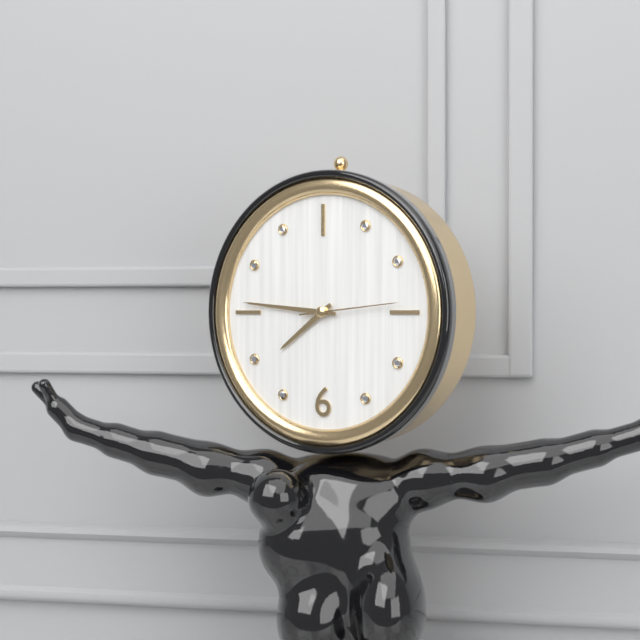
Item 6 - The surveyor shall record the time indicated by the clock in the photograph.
7:46:14
